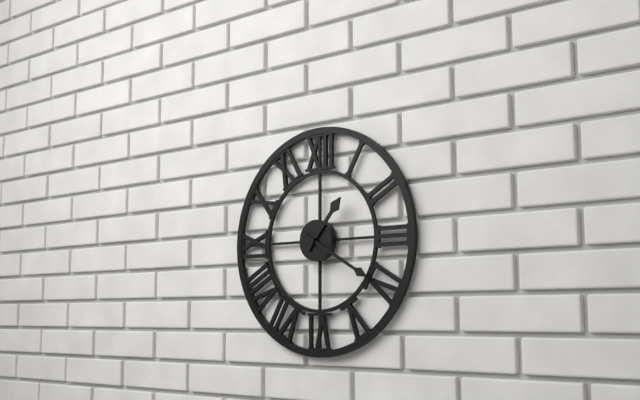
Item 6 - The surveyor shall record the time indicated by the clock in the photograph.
1:20
